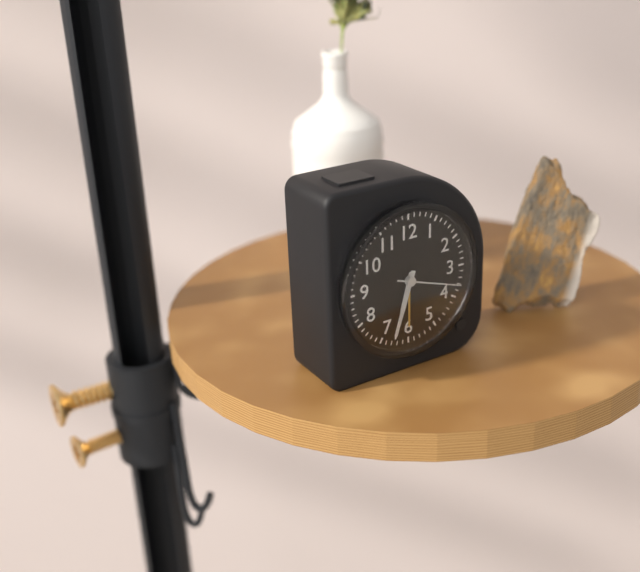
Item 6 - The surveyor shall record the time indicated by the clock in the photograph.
6:33:18
